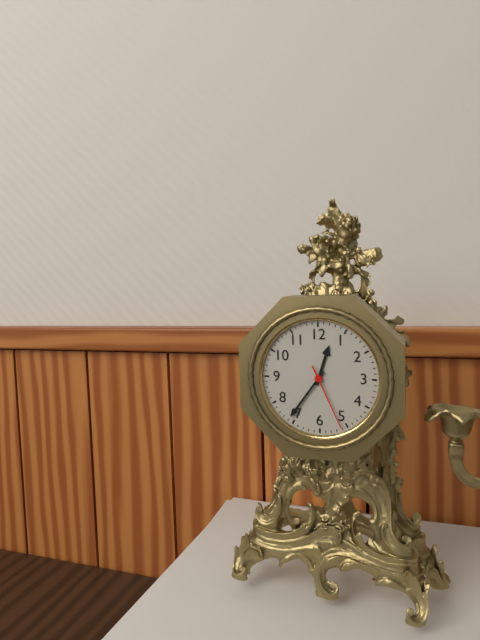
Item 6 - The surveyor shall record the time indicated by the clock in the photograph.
12:36:26
